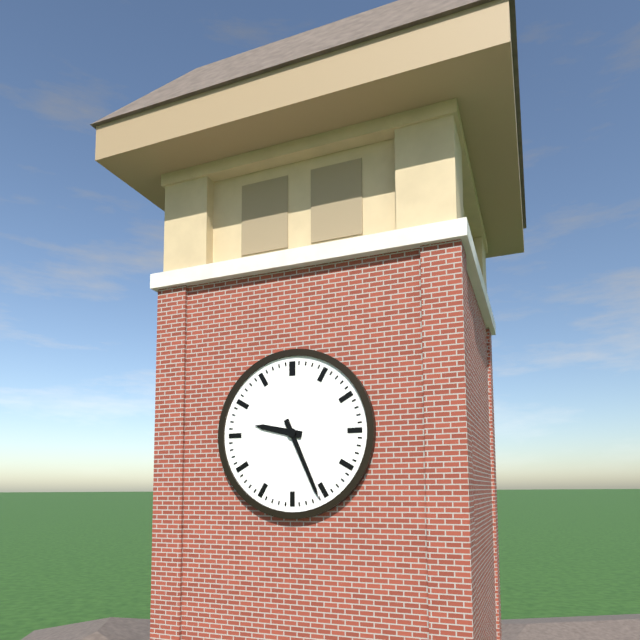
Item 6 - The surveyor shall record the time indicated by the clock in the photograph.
9:26
